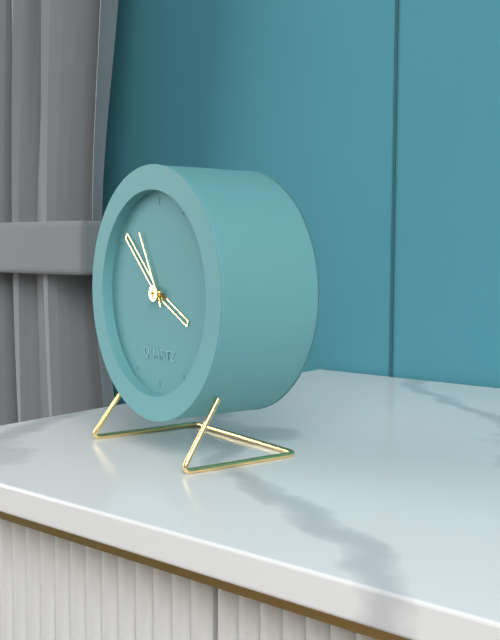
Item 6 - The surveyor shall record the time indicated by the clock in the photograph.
3:52:55
